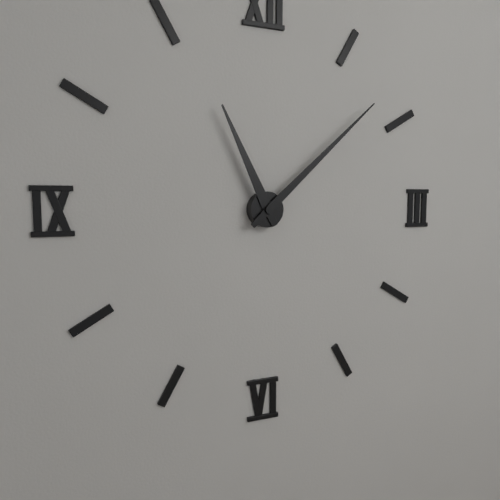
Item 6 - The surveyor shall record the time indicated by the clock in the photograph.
11:08
